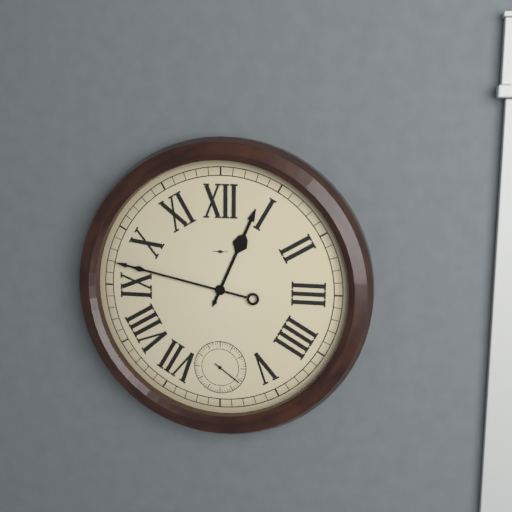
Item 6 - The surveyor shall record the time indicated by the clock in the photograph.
12:47
